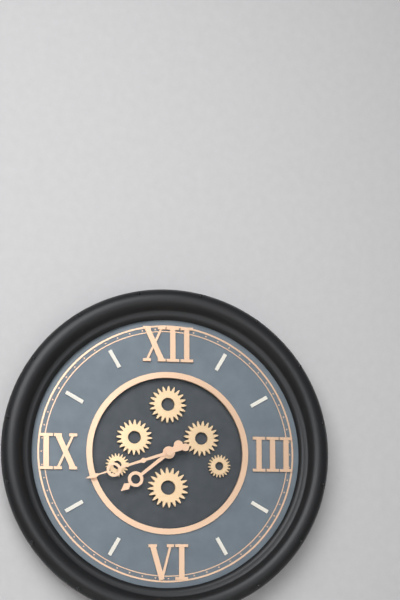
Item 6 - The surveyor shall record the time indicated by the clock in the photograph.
7:42
